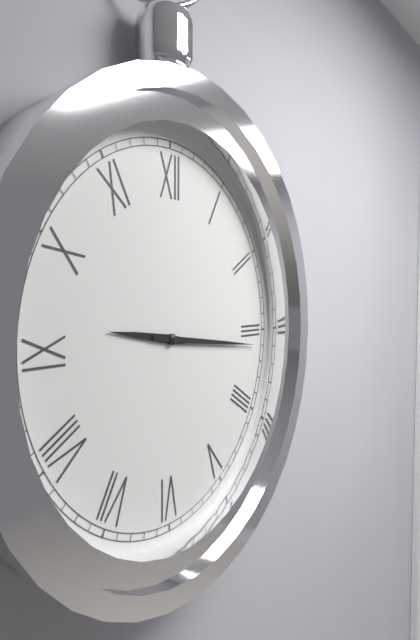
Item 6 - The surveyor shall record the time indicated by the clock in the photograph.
9:16
